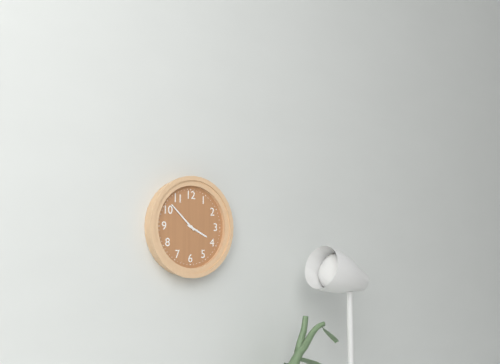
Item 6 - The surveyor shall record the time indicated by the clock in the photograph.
3:52
